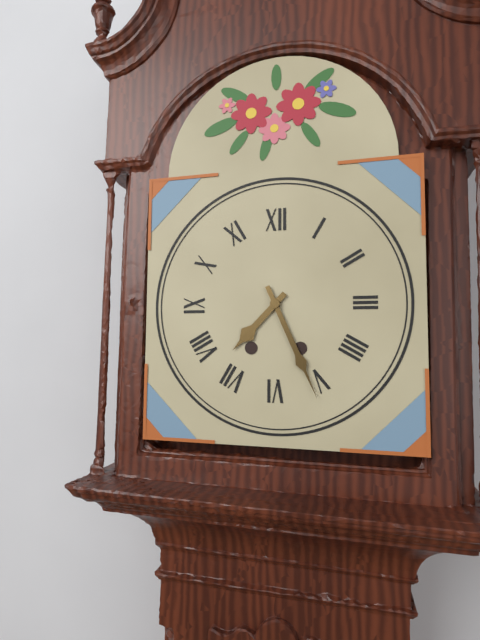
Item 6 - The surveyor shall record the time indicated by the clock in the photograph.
7:26
